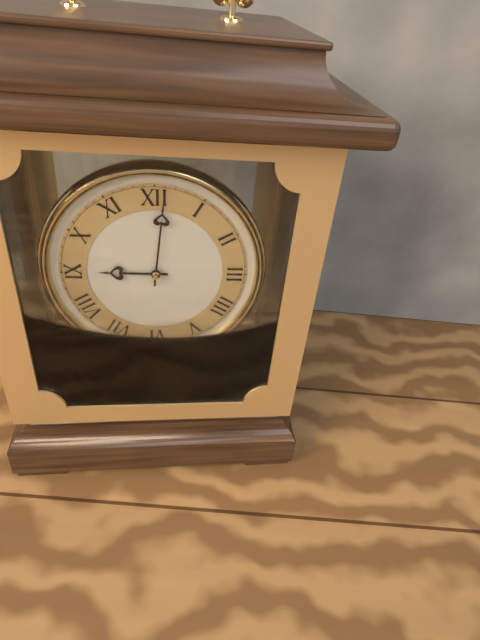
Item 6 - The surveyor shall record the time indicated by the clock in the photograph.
9:01
